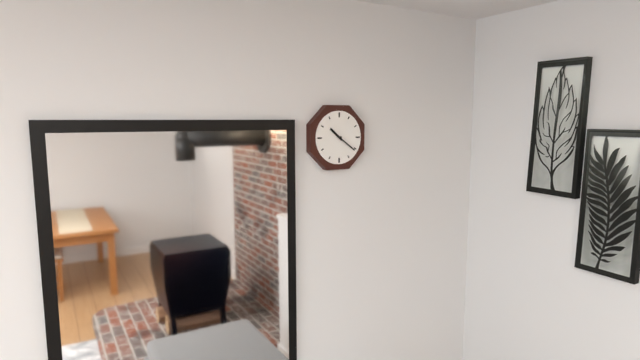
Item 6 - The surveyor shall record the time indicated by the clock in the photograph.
10:21
